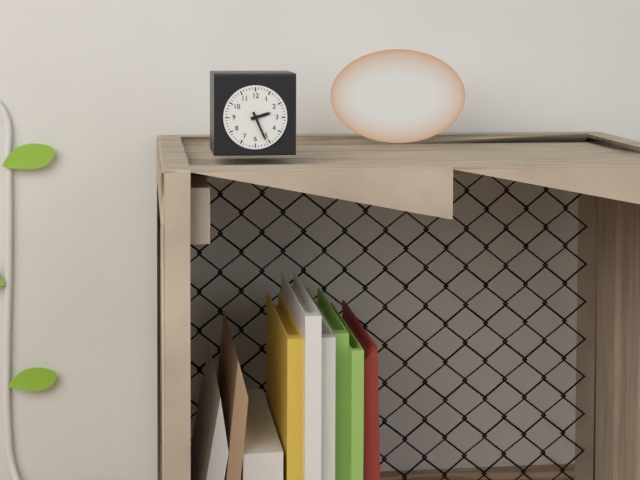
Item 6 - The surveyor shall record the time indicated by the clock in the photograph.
2:26
